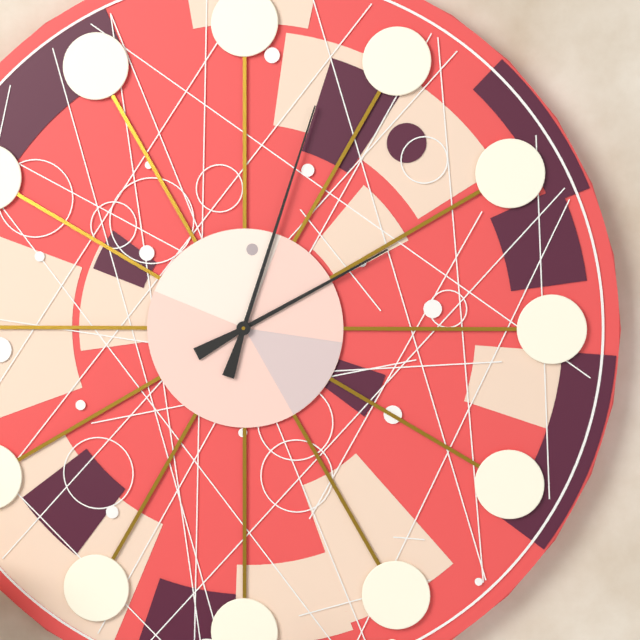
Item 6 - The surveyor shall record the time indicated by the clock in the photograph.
2:03
